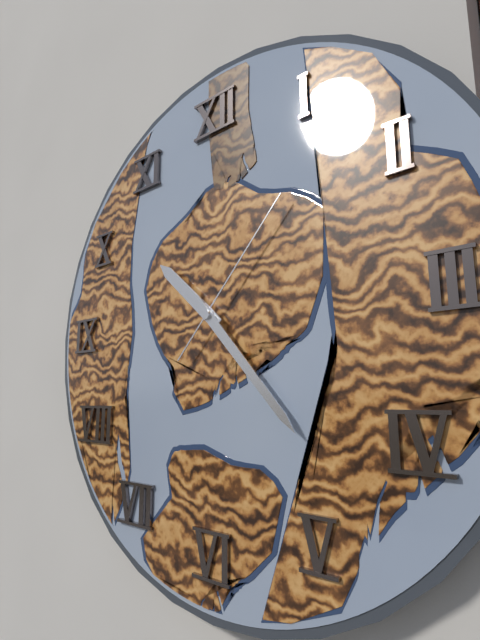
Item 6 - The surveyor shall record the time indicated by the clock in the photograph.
10:23:07
